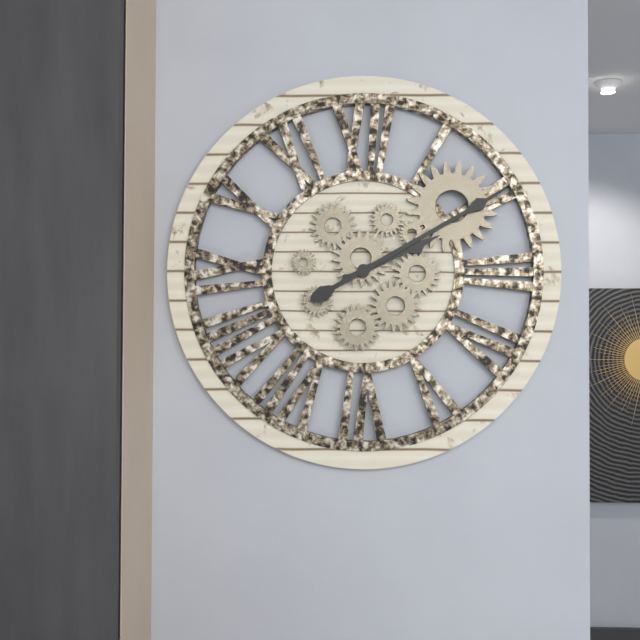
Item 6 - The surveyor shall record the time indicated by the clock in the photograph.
2:10
